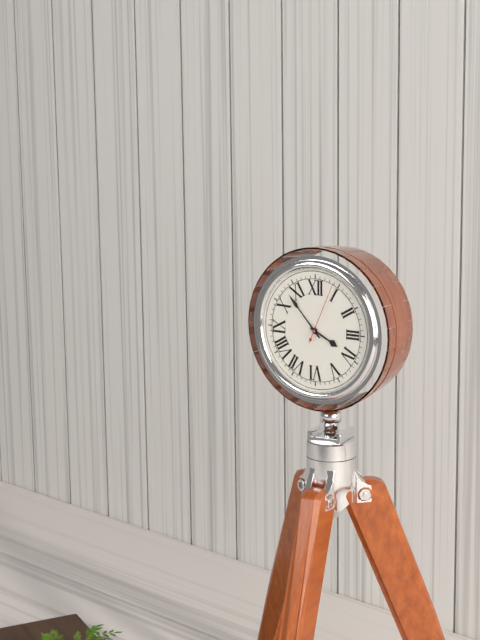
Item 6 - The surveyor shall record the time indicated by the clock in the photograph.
3:53:04
